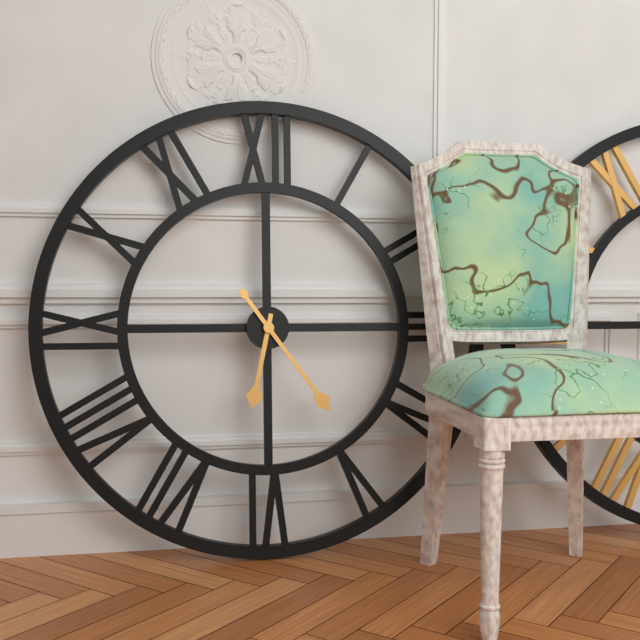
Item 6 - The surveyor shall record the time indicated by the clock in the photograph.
6:24
